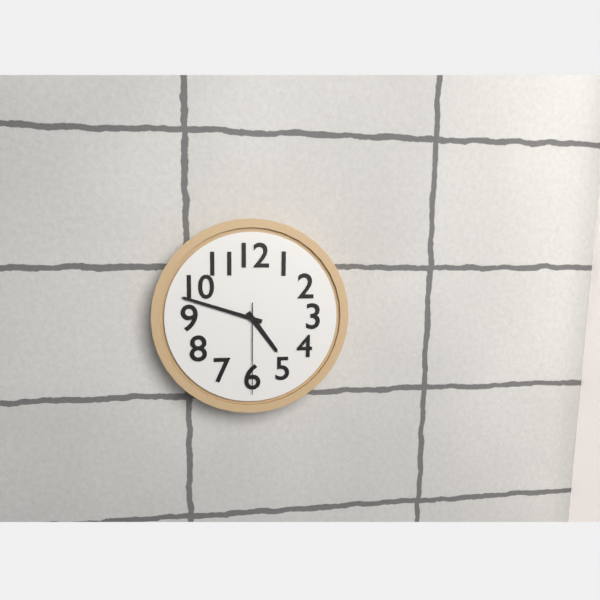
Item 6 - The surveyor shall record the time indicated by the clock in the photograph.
4:48:30
